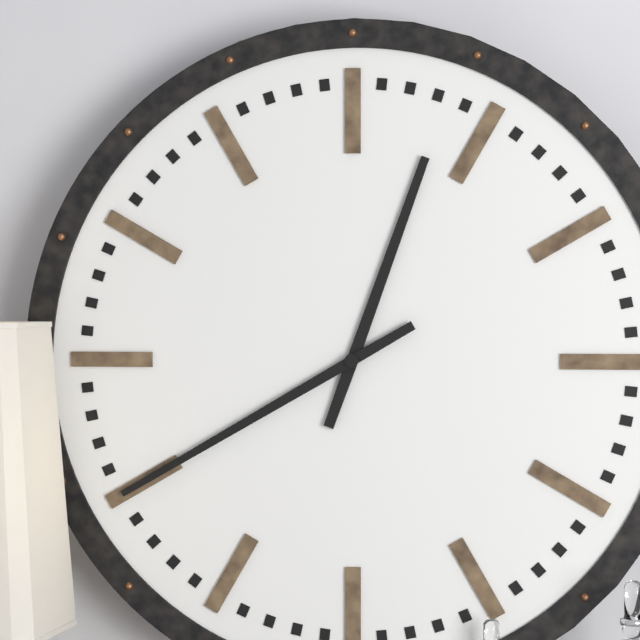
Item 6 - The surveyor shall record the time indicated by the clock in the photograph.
12:40
